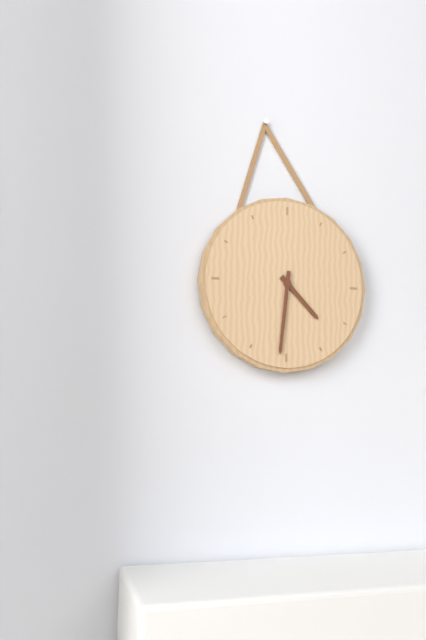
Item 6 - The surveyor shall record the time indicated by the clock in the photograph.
4:31
